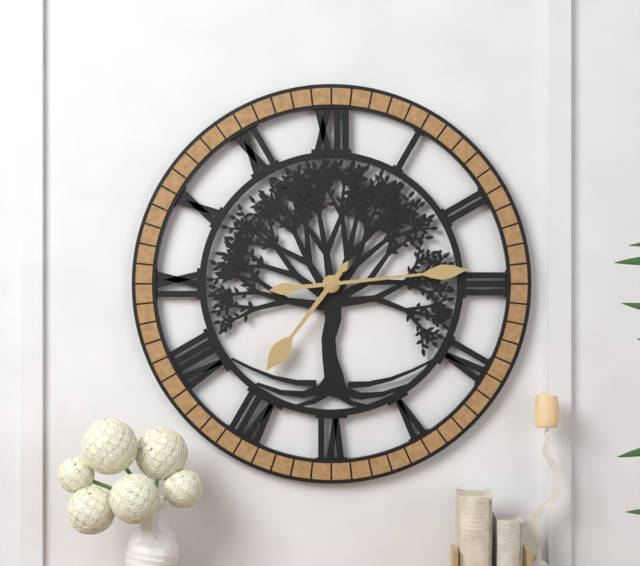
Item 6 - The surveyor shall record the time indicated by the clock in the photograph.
7:14
